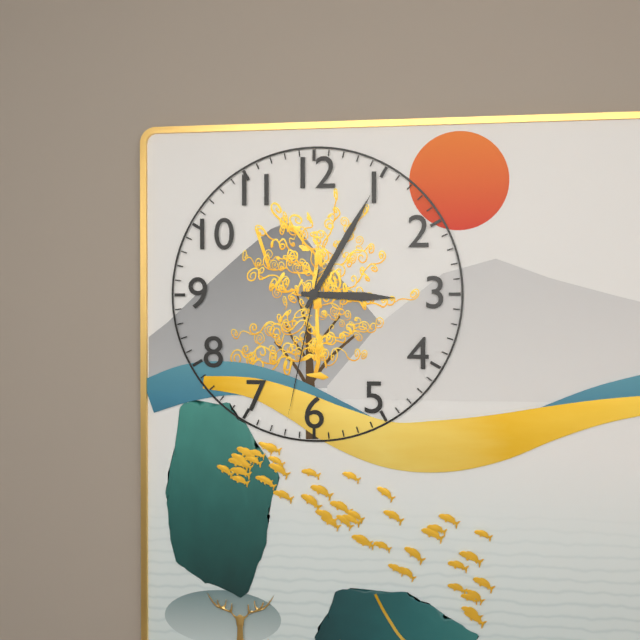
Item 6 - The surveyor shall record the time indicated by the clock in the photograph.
3:05:32
